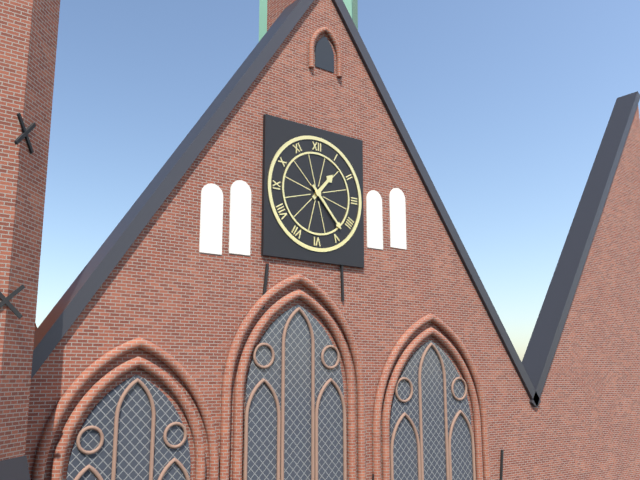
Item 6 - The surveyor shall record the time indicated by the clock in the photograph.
1:23
